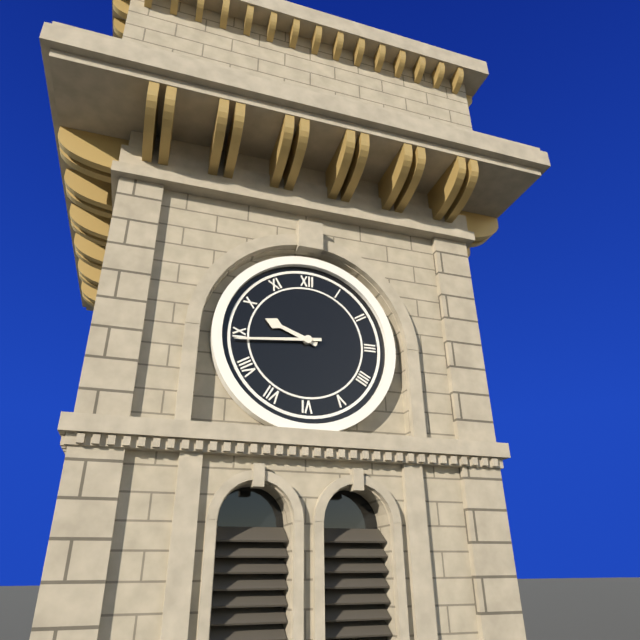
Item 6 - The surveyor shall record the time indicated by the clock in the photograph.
9:44
